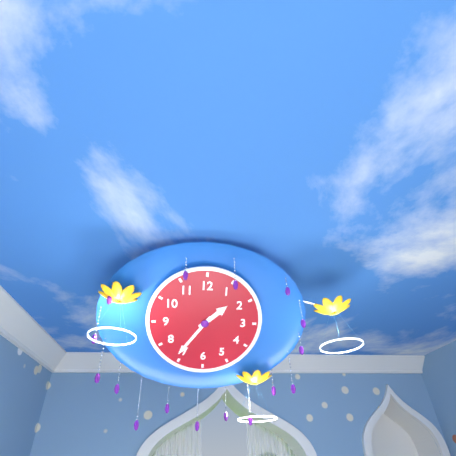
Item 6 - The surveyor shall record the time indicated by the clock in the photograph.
1:36
